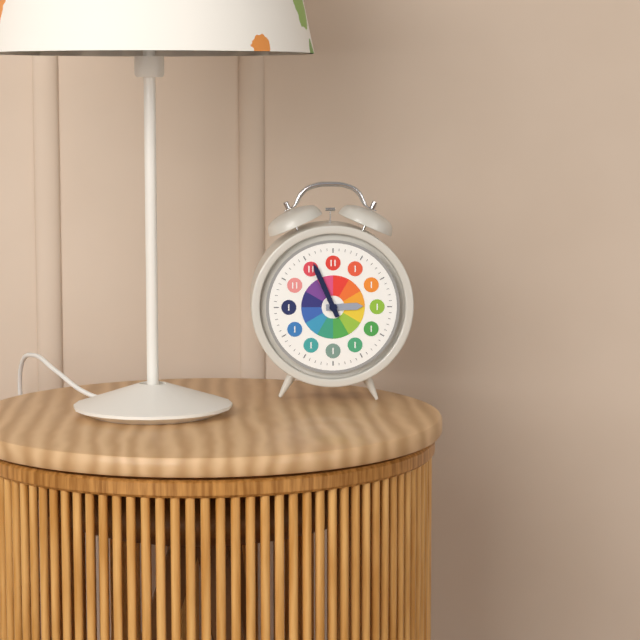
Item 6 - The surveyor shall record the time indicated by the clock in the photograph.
2:56
